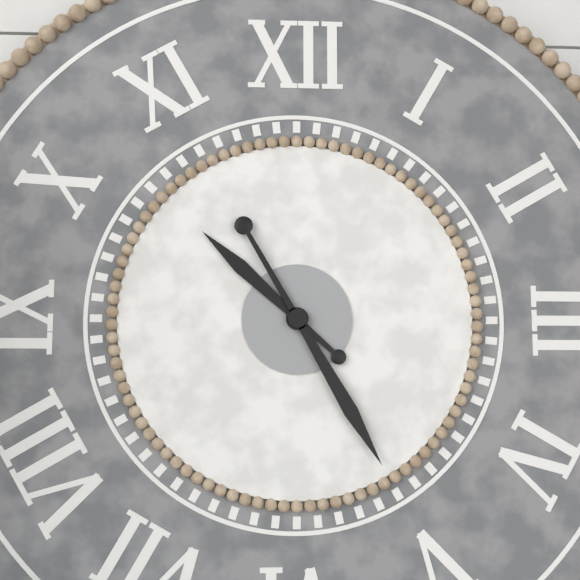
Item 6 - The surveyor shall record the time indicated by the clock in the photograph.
10:25
